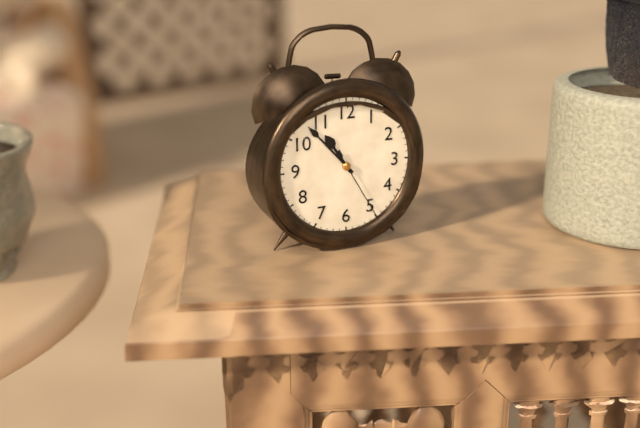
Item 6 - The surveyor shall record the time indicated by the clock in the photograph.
10:53:25
